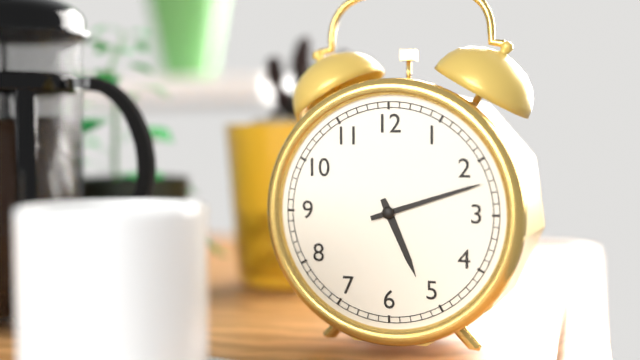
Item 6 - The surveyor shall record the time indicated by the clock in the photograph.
5:12
